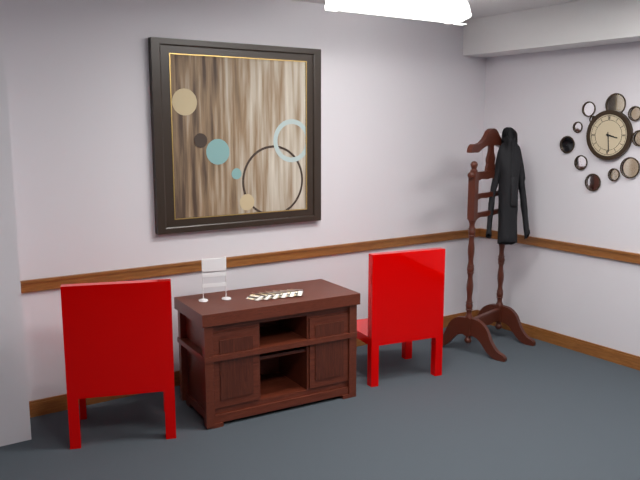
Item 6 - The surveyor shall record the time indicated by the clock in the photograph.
3:29
